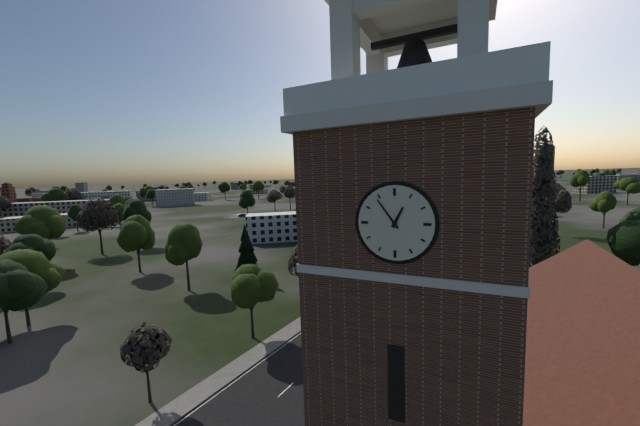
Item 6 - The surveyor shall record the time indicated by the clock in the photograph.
12:54
